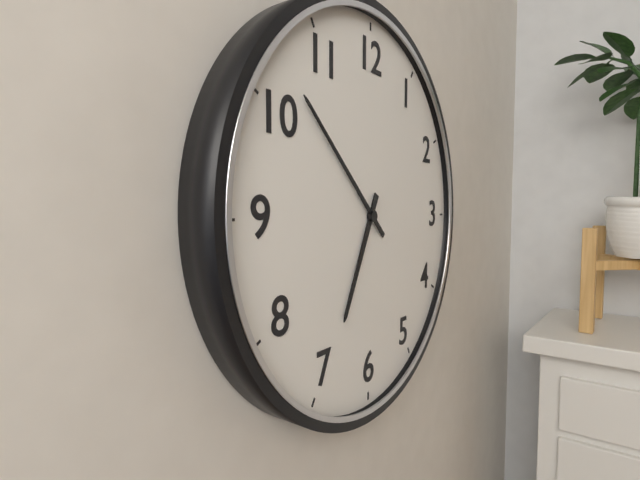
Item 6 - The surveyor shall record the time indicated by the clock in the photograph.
6:52
